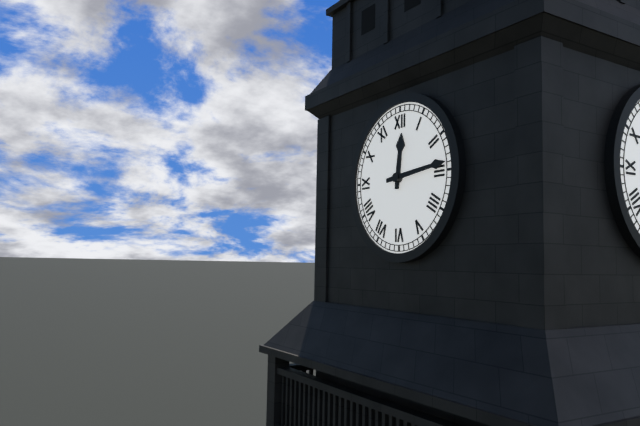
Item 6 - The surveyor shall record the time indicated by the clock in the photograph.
12:14
